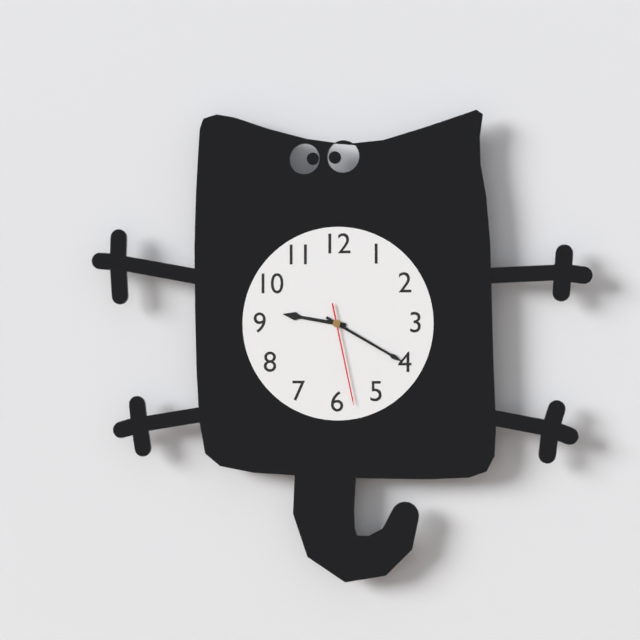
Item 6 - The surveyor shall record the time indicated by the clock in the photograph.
9:20:28
